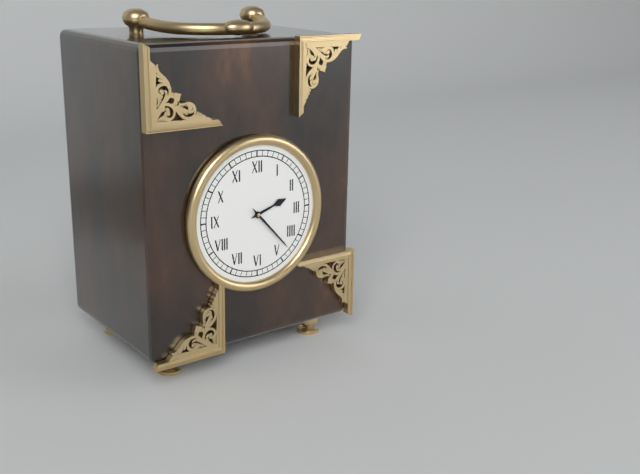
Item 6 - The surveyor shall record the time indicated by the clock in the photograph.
2:23
